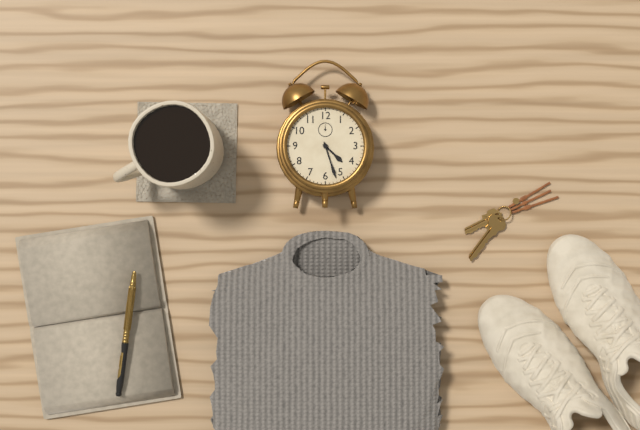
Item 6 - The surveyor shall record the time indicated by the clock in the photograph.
4:27
